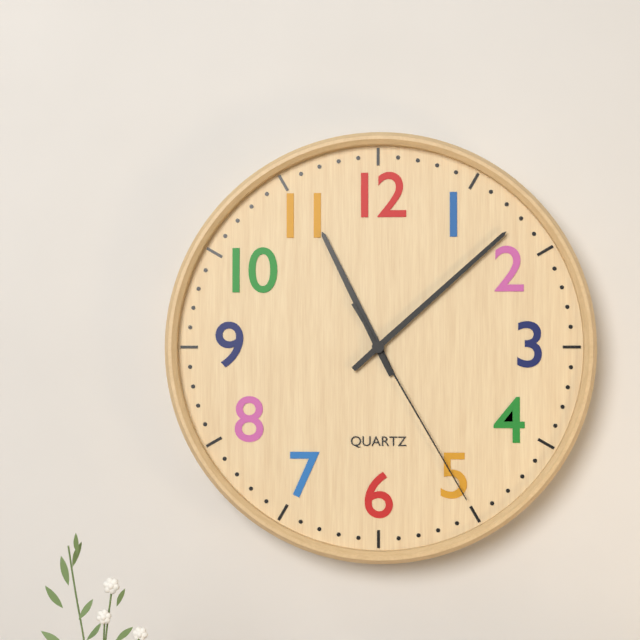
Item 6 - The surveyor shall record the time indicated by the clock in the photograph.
11:08:25
